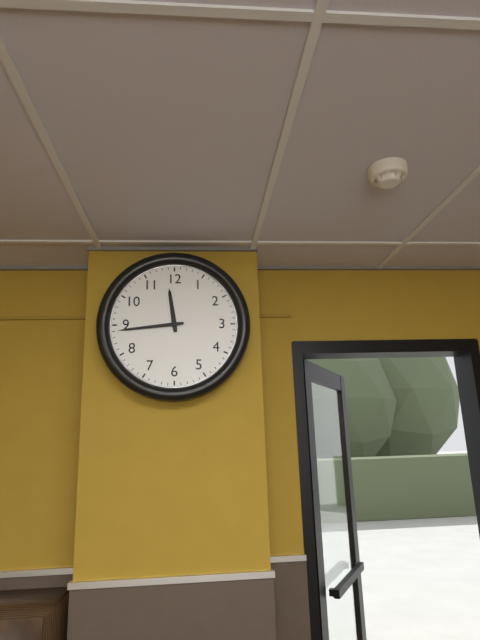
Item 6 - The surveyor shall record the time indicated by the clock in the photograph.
11:44
